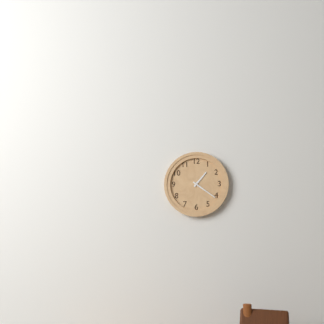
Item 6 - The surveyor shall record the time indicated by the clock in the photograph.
1:21
